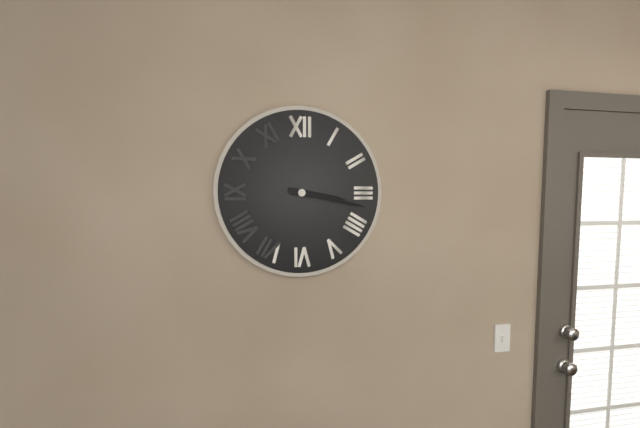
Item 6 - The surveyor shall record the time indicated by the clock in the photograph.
3:17
